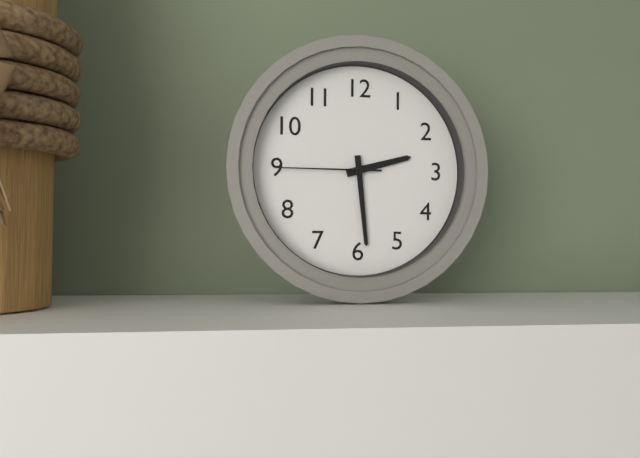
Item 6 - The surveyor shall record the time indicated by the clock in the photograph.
2:29:45
